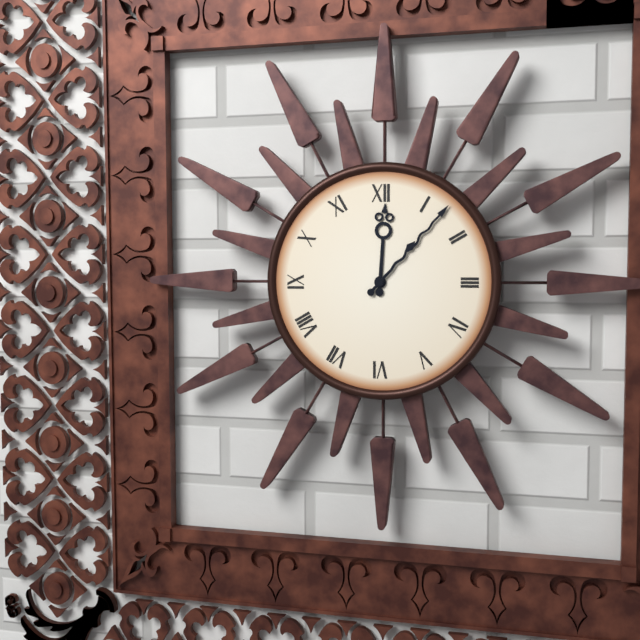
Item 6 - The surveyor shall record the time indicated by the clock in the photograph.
12:07
